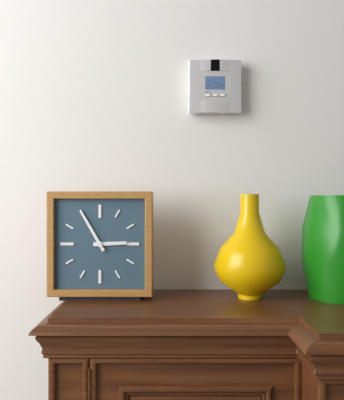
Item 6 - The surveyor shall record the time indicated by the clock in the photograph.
2:55
